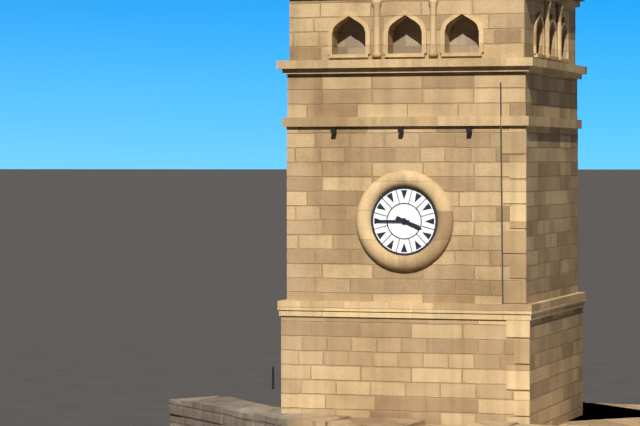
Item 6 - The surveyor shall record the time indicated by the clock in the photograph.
3:45
